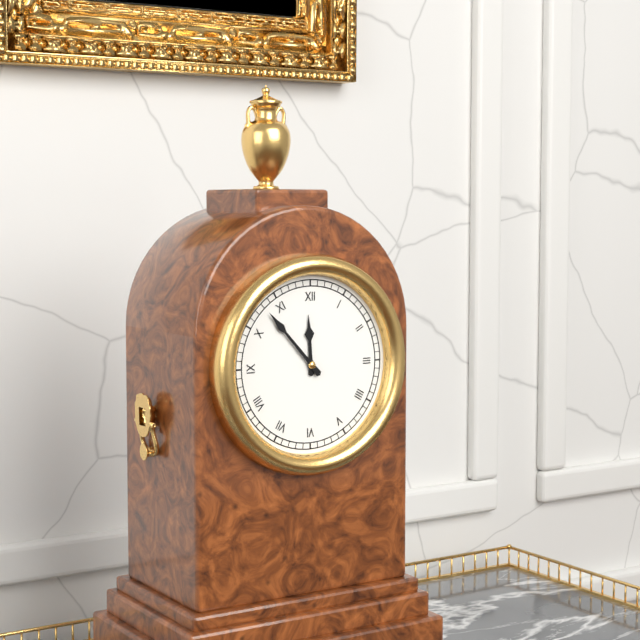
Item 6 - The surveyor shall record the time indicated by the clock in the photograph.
11:53
